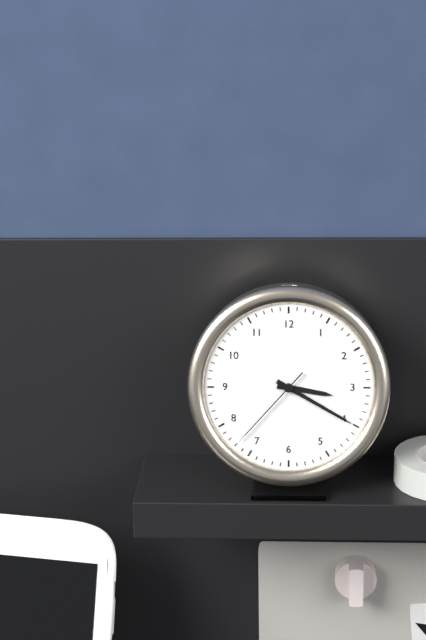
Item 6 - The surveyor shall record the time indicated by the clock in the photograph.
3:20:37
